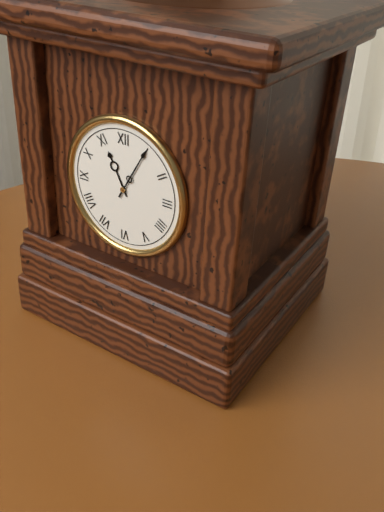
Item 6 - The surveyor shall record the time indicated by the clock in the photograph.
11:05
